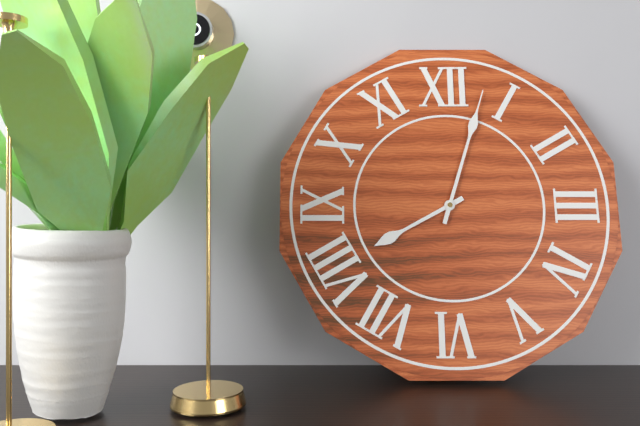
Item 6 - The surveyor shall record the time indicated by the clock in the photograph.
8:03
